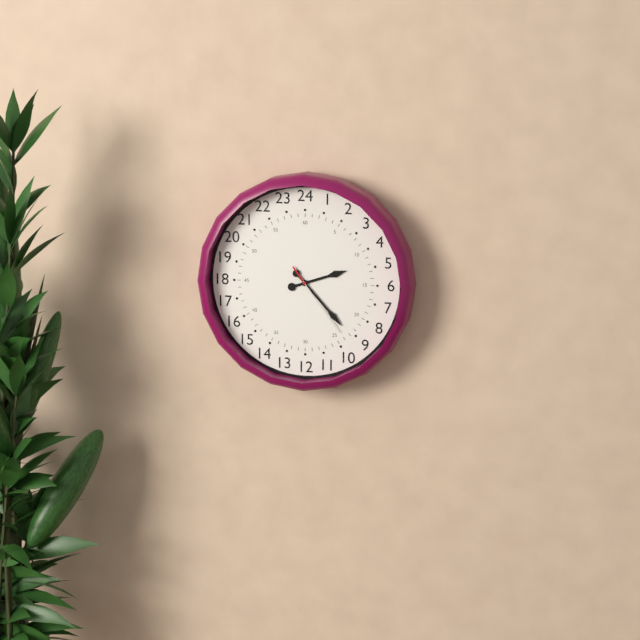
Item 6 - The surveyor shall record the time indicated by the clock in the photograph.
2:23:24
